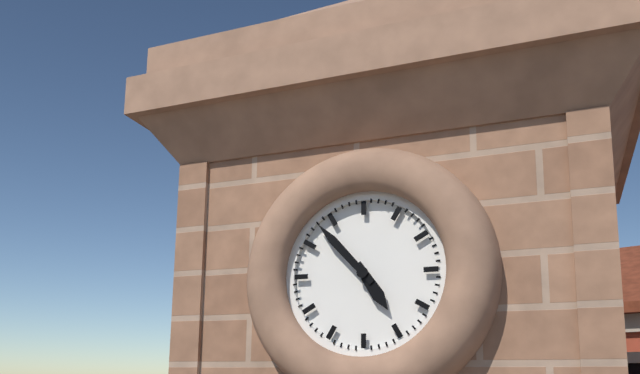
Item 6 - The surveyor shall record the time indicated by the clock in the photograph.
4:53
